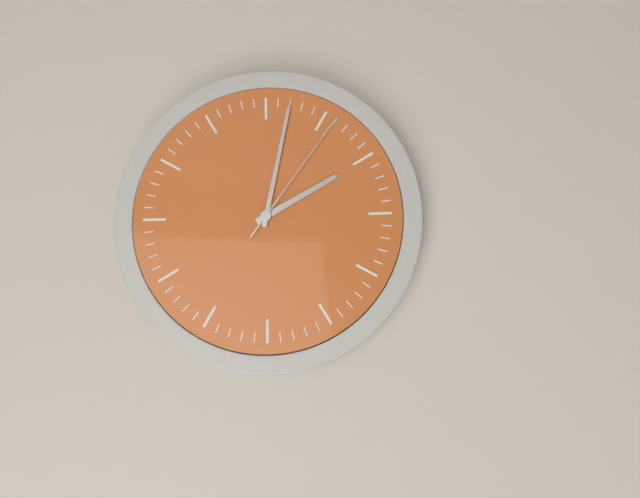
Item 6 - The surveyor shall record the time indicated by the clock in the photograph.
2:02:06
